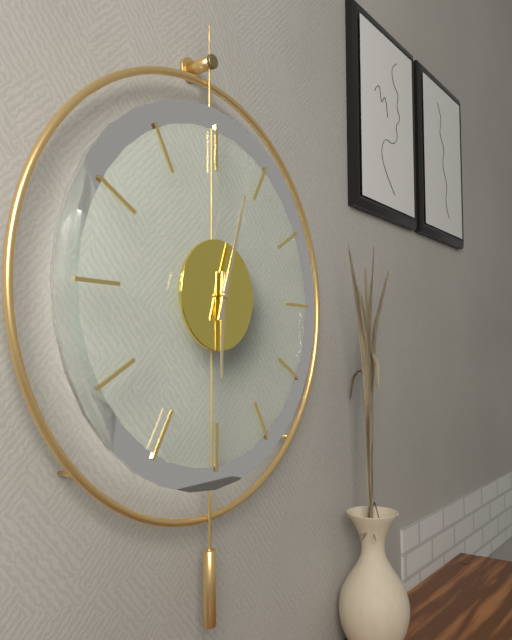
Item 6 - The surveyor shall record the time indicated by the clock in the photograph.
6:03
